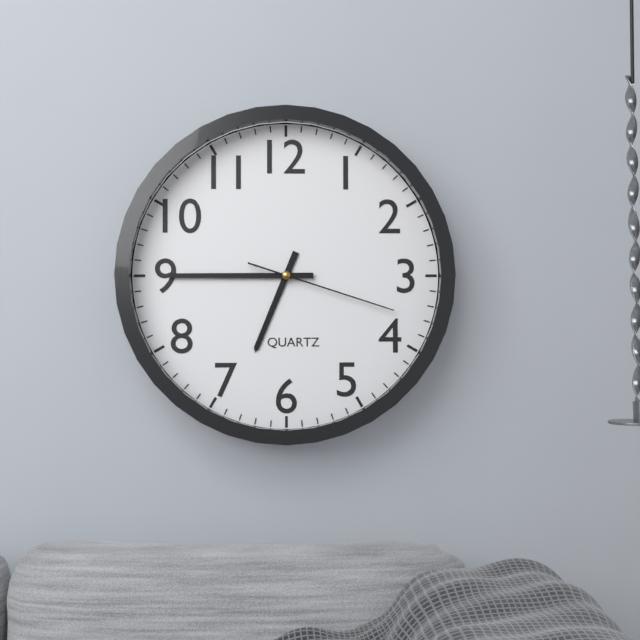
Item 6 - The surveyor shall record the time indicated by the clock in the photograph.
6:45:18
